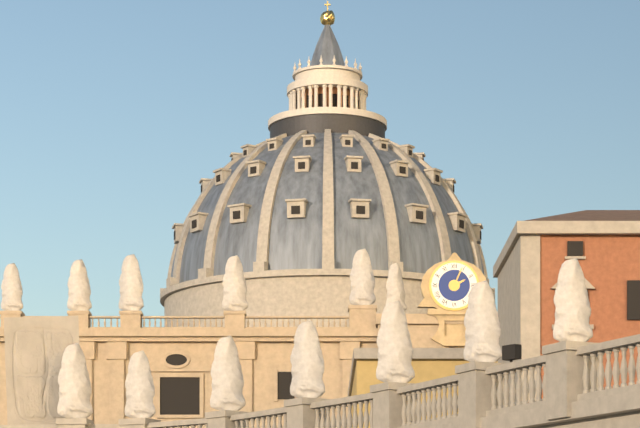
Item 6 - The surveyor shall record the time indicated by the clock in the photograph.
2:04
